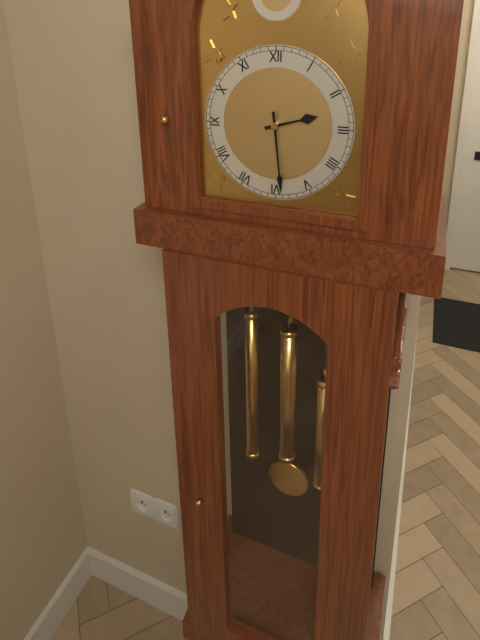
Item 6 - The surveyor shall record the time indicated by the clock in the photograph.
2:29
